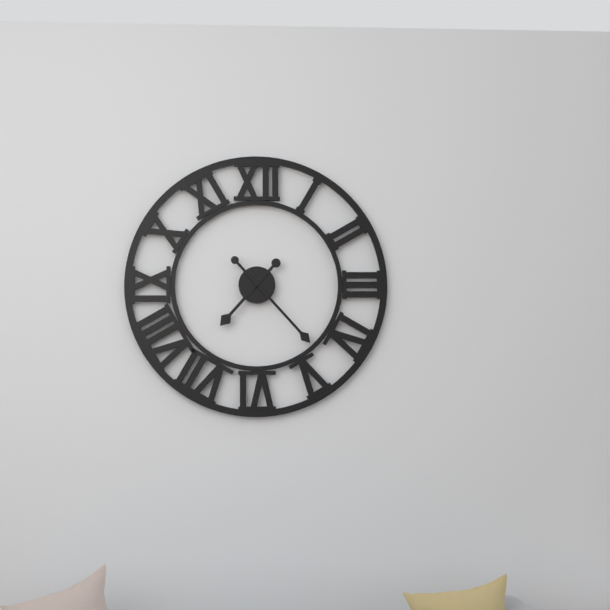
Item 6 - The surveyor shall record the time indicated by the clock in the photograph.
7:23
